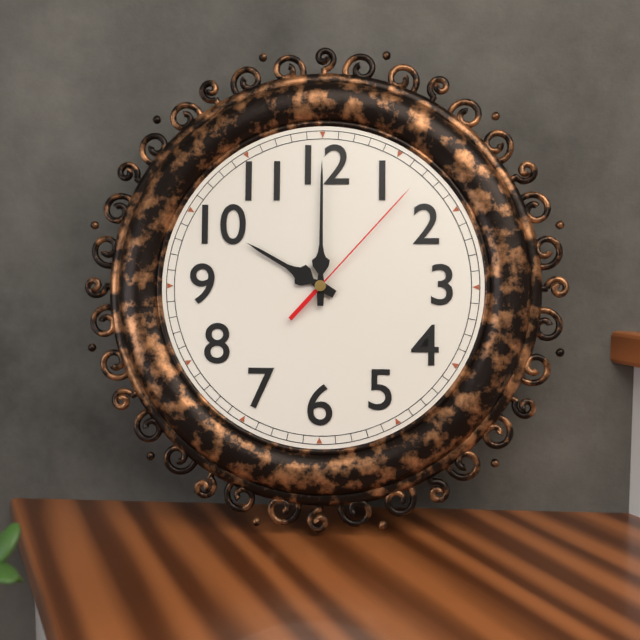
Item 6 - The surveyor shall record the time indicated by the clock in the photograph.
10:00:07
